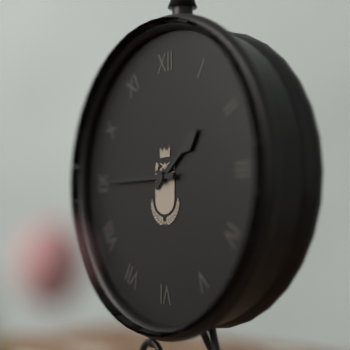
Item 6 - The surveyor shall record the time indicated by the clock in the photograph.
1:45
